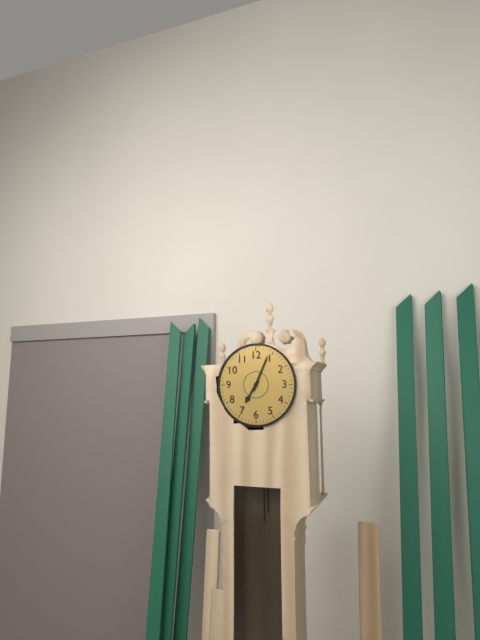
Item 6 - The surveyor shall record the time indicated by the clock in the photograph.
7:04
